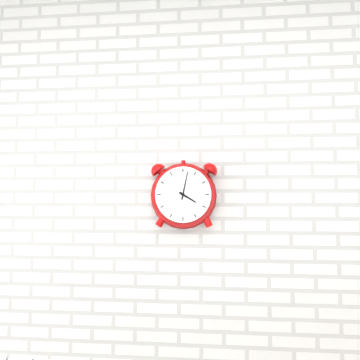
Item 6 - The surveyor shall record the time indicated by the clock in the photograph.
4:02
